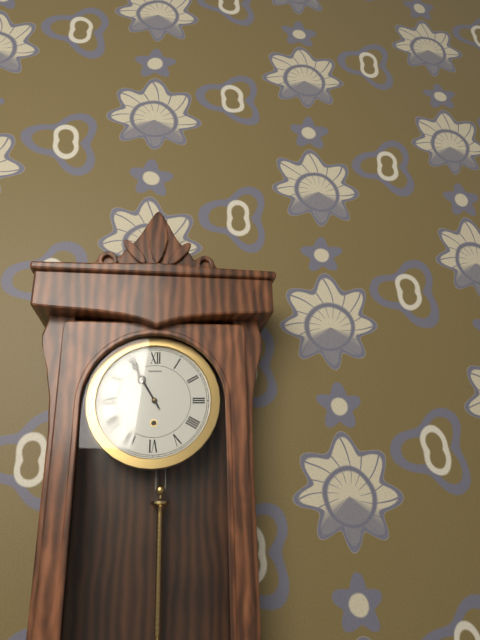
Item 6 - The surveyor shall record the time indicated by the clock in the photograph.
10:55
